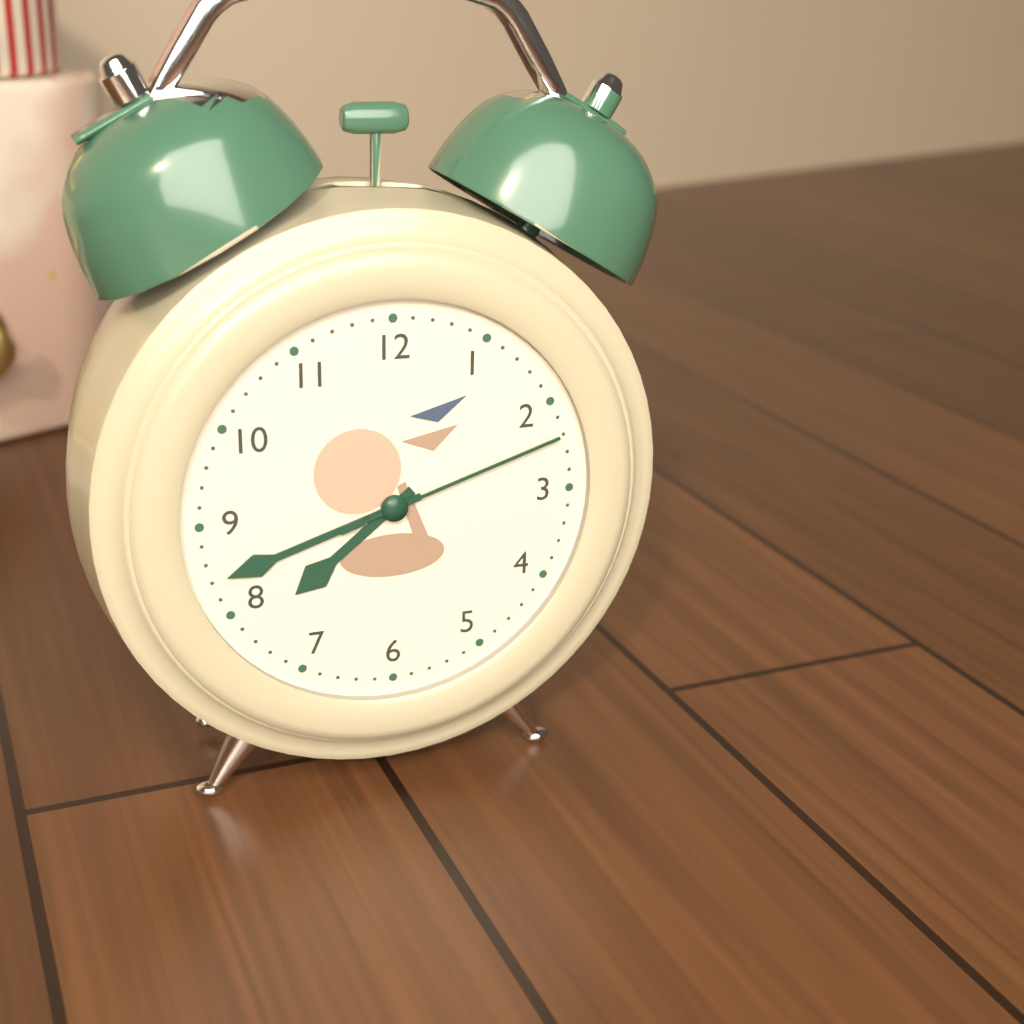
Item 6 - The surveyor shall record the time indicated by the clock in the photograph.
7:42:12
